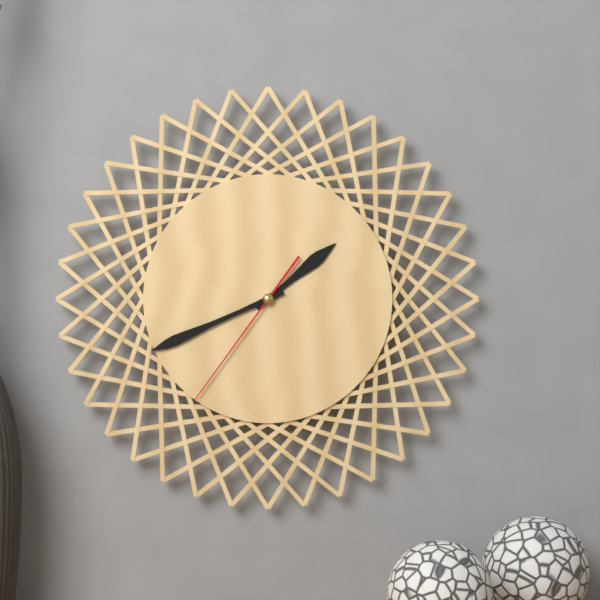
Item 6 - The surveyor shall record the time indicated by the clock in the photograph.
1:41:36
